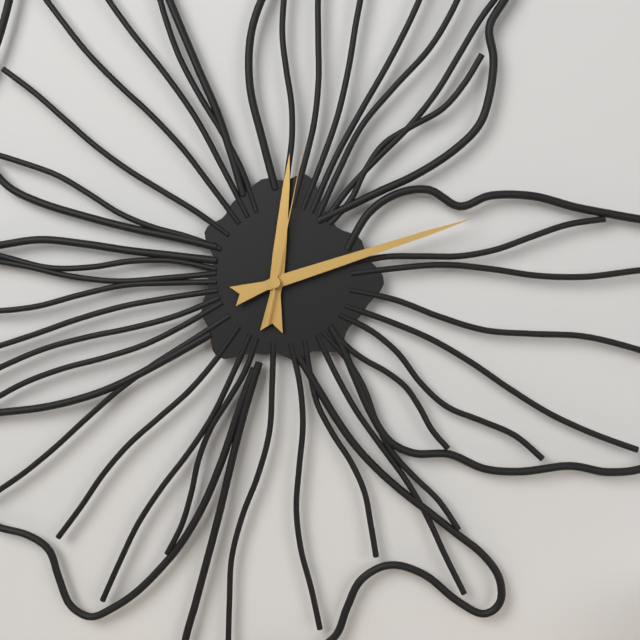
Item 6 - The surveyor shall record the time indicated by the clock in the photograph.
12:12:02
